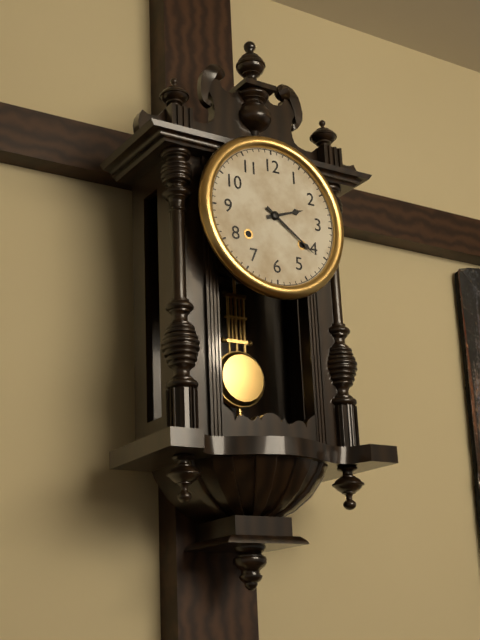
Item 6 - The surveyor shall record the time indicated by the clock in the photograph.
2:21
